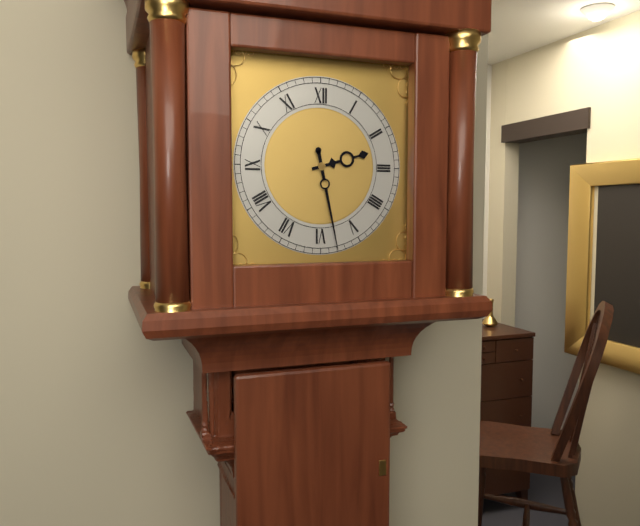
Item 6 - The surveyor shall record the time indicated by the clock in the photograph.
2:28
